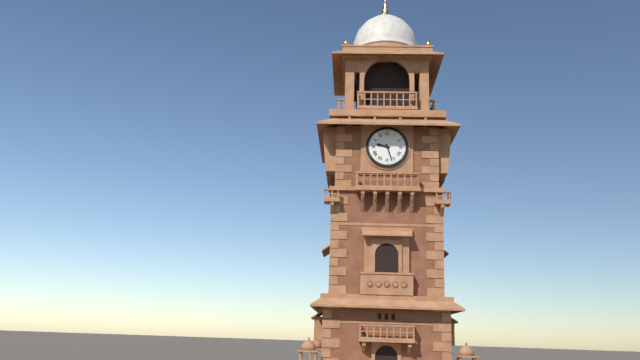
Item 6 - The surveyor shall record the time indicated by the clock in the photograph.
9:27
